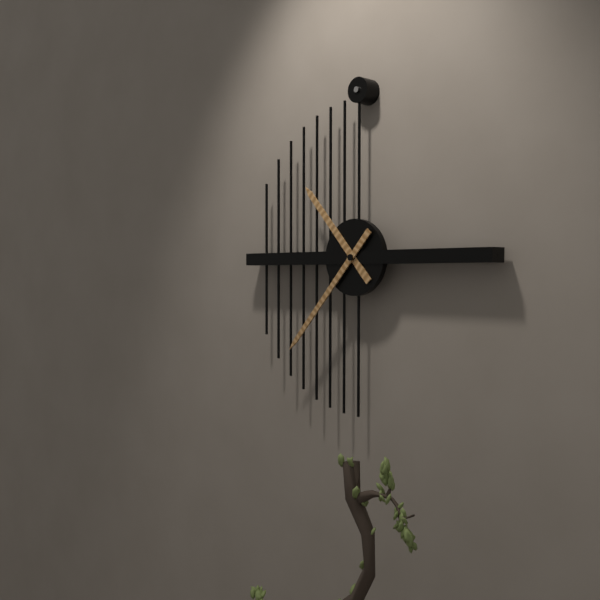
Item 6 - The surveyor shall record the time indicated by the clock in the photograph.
10:37
